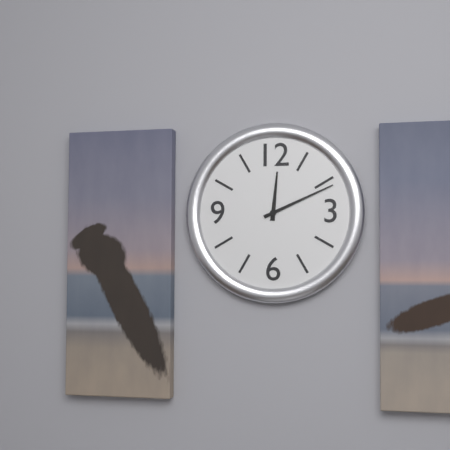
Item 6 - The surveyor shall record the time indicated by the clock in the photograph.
12:11
